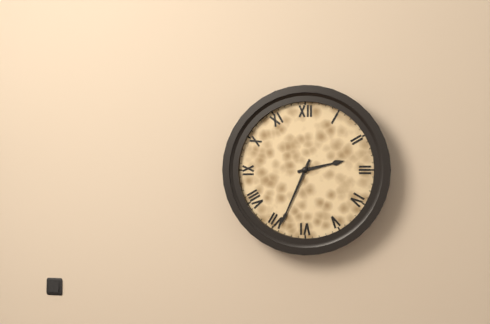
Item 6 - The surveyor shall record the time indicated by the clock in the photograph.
2:34
